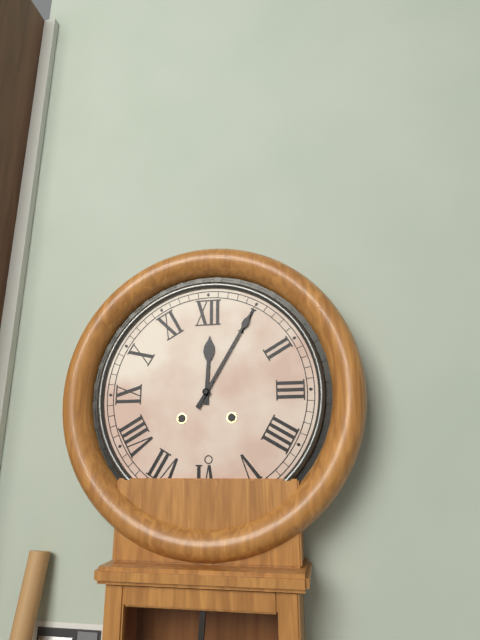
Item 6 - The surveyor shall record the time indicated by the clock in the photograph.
12:05
